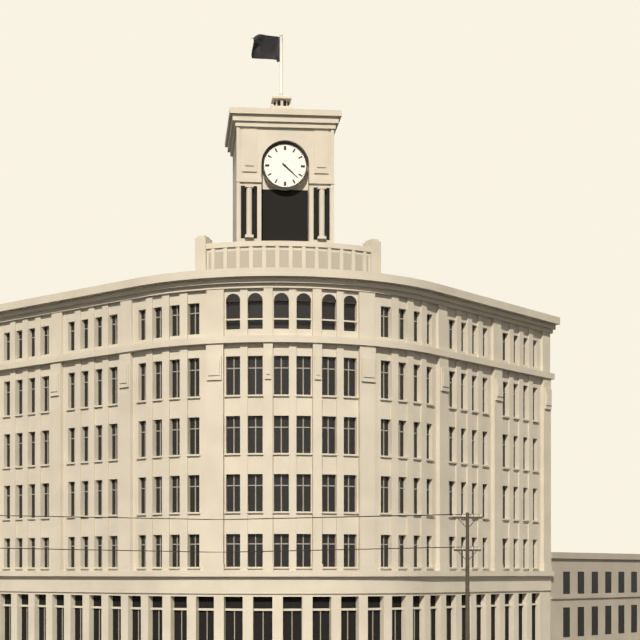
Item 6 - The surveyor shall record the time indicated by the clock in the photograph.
4:22
